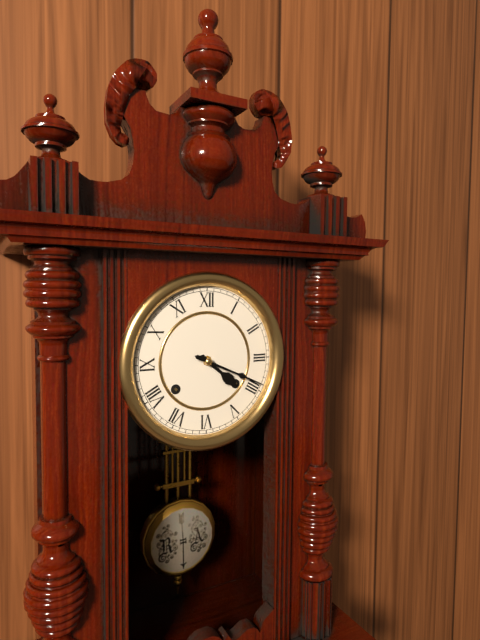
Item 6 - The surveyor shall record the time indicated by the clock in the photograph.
4:19
